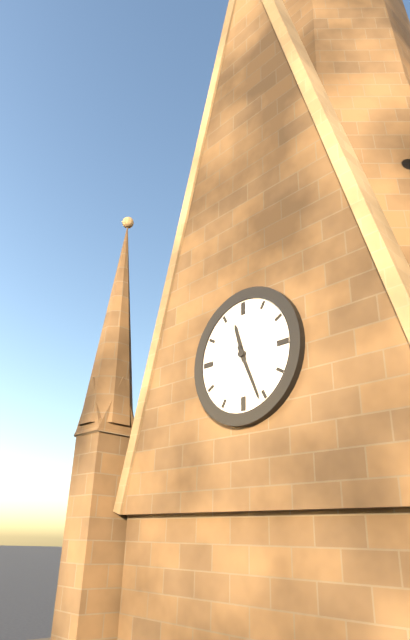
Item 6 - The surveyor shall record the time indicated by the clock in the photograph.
11:26
